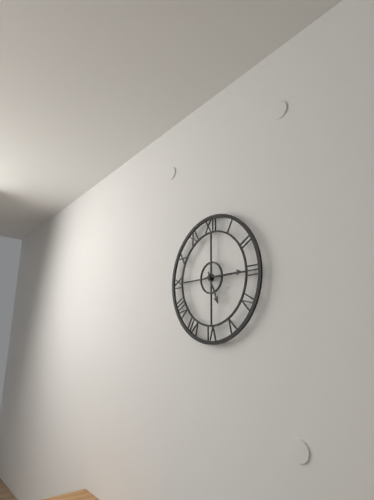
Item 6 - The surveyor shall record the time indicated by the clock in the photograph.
5:15
